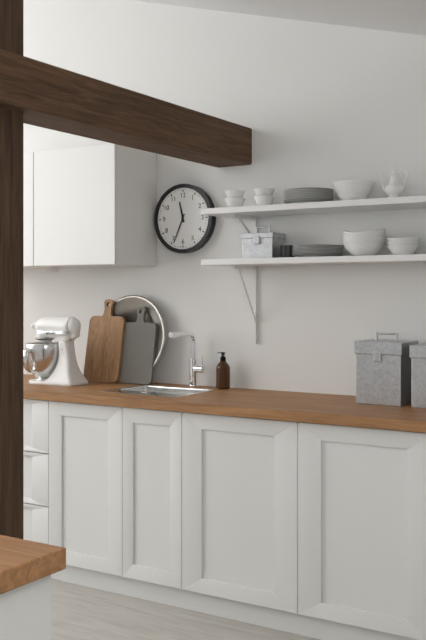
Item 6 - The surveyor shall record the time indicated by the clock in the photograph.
11:34
